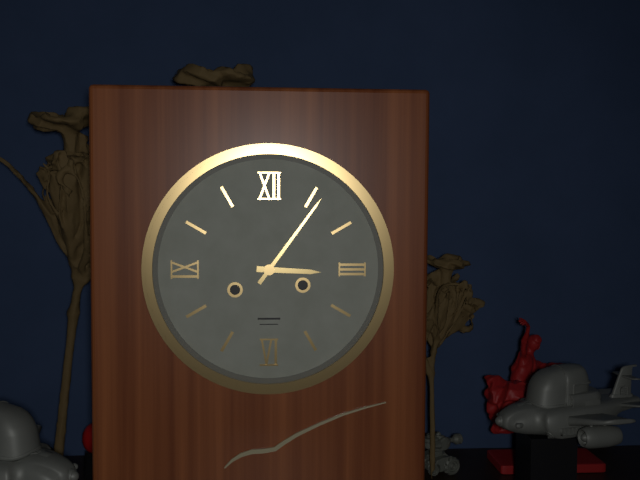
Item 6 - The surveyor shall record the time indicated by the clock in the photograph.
3:06
